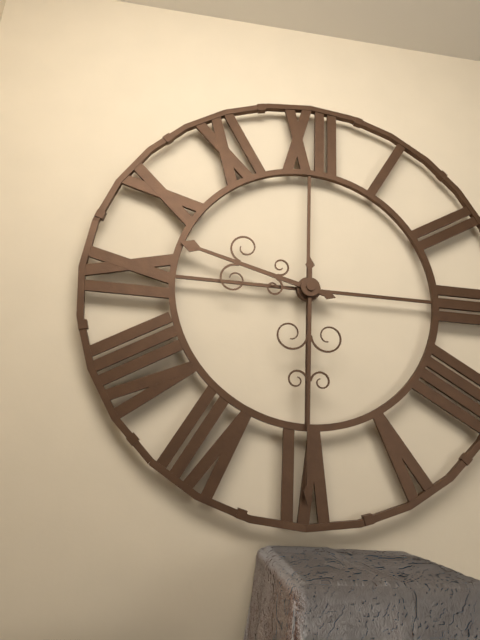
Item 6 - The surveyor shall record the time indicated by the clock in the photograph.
9:30
